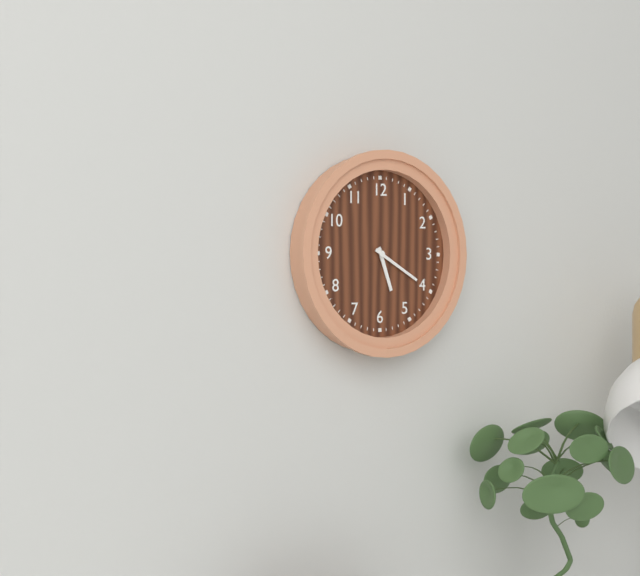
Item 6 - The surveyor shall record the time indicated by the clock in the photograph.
5:20
